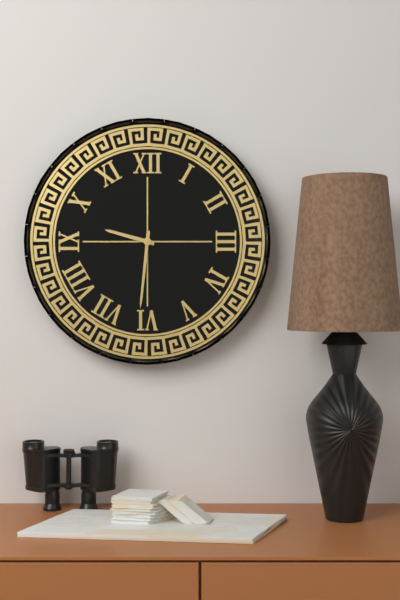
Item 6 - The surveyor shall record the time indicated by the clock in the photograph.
9:31
